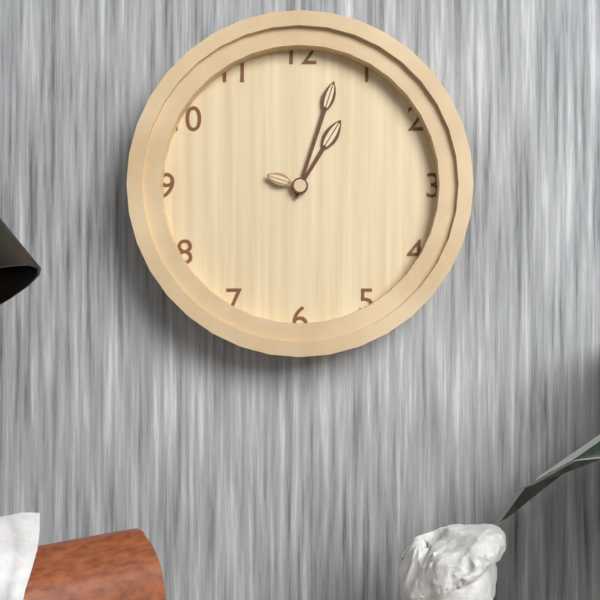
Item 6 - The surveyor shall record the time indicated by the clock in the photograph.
1:03
